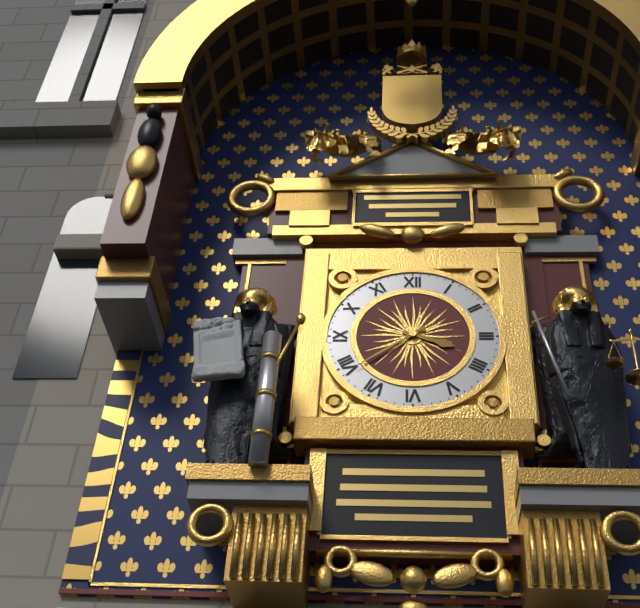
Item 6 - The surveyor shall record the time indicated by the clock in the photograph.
3:39
